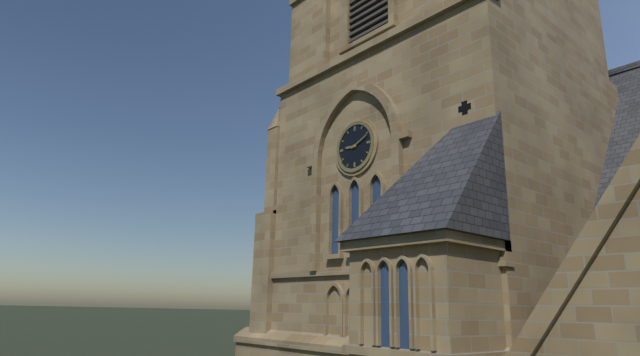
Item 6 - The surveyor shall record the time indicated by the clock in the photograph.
9:11
